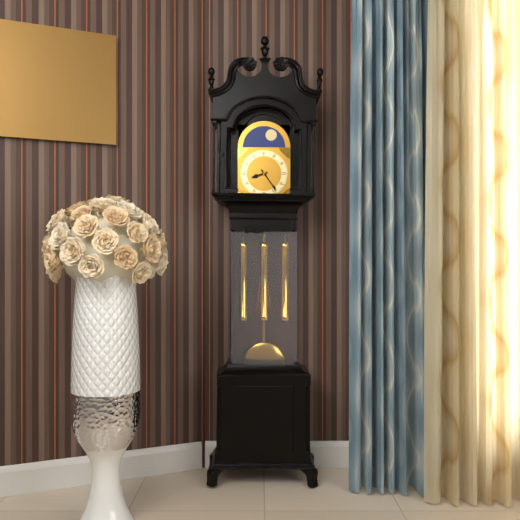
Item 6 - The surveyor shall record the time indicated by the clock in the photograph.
8:24
